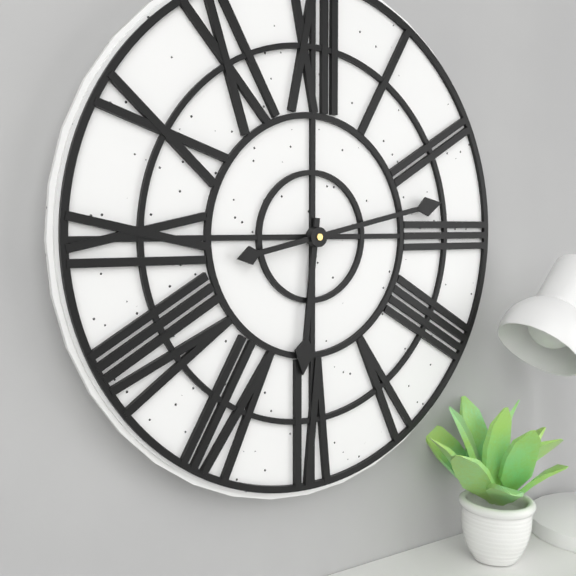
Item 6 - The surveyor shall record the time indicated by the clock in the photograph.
6:13
